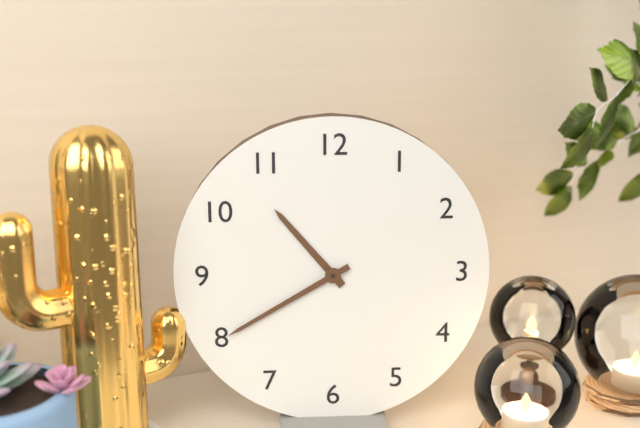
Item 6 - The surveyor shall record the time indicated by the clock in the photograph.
10:40
